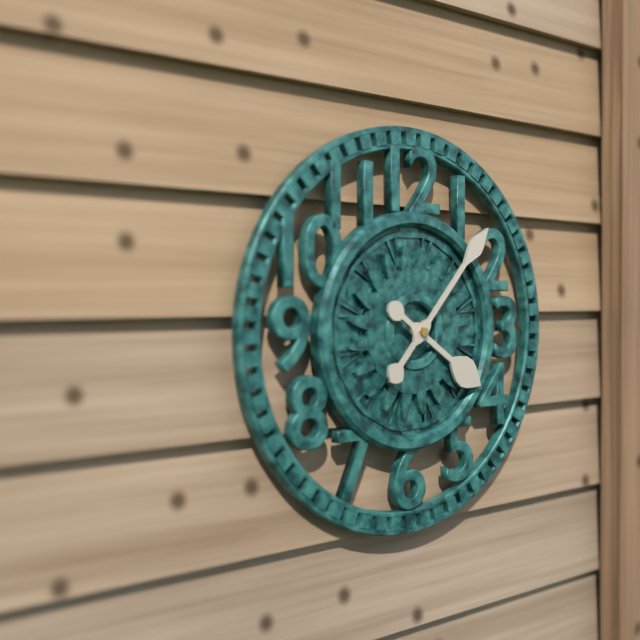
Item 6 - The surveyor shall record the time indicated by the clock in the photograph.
4:07
